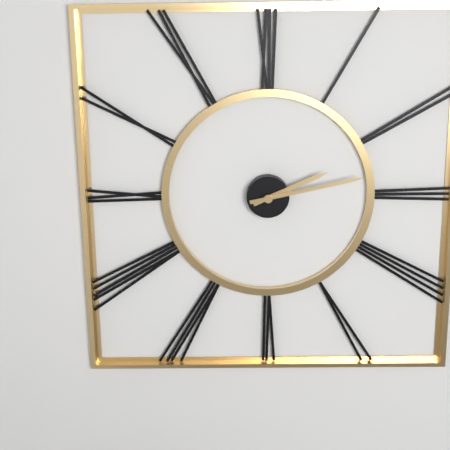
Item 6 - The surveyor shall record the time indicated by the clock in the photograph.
2:13
